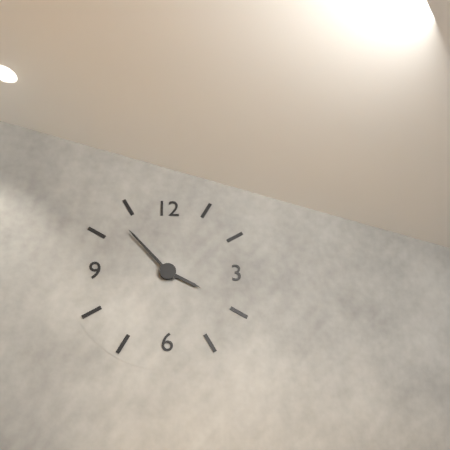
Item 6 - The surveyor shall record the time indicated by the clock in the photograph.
3:53
